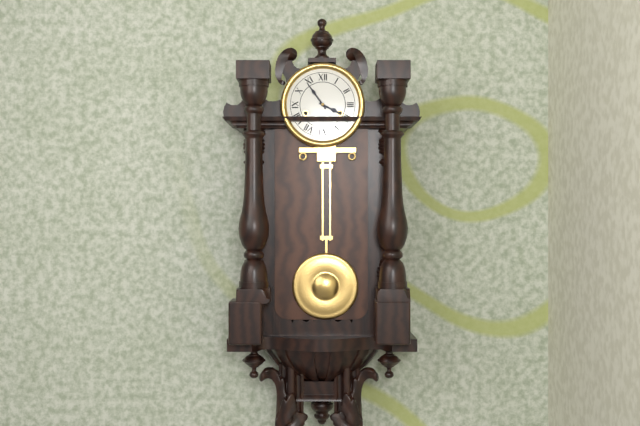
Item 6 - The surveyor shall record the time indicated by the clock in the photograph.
3:54
